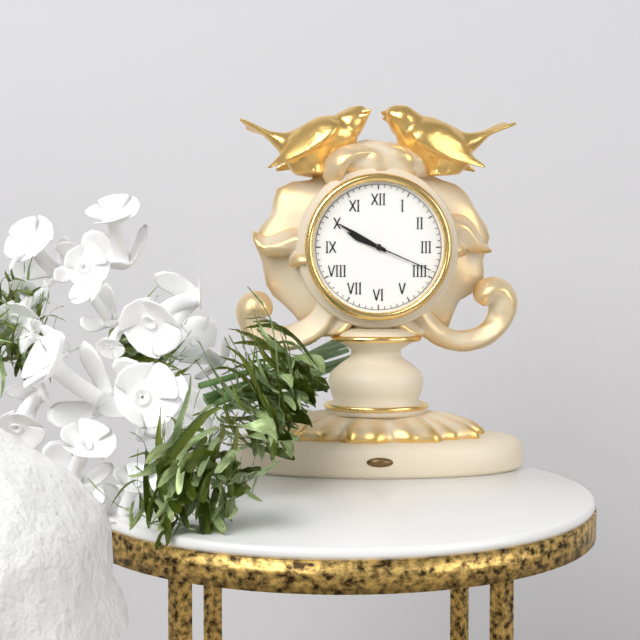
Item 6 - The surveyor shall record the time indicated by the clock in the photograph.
9:50:19
